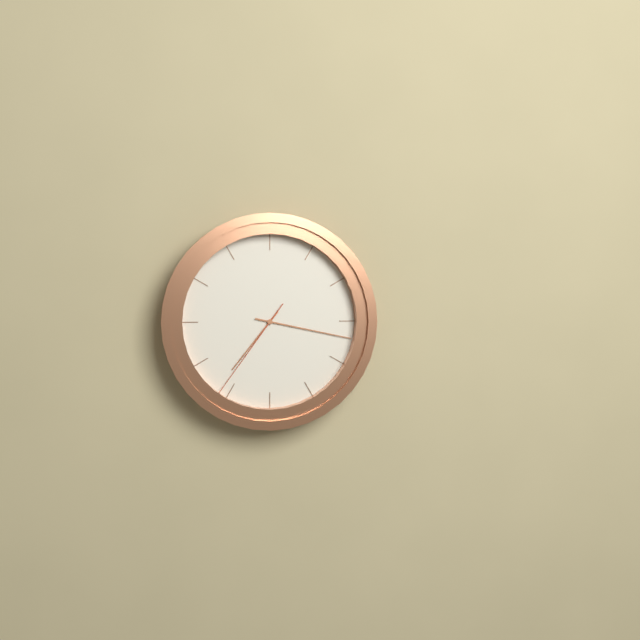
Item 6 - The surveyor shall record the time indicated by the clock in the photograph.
7:17:36
